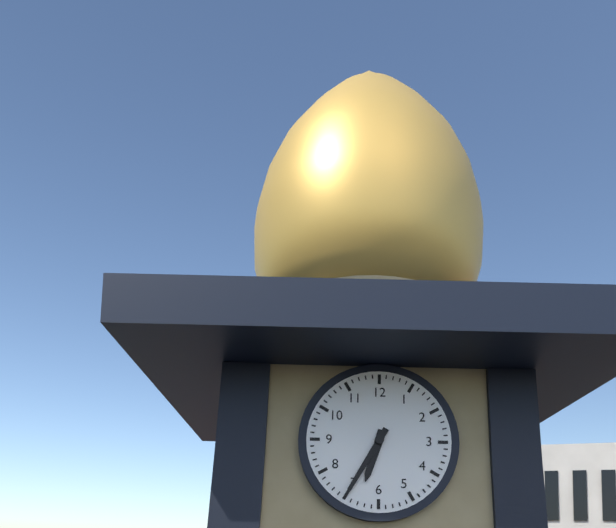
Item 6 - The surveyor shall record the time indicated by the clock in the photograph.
6:35
